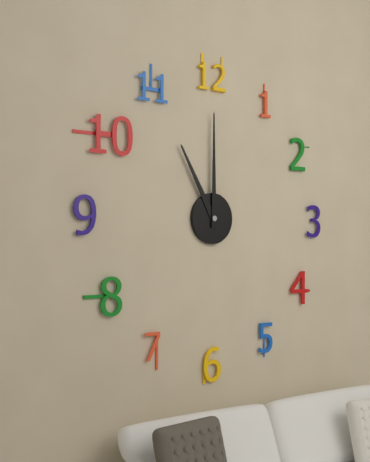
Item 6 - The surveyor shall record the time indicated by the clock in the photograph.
11:00
